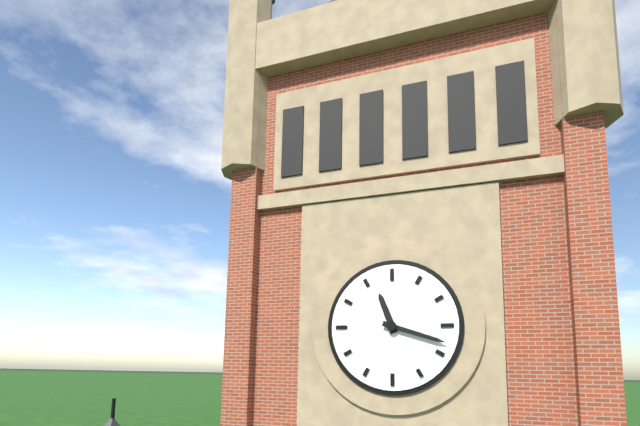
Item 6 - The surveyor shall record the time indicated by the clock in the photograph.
11:18
